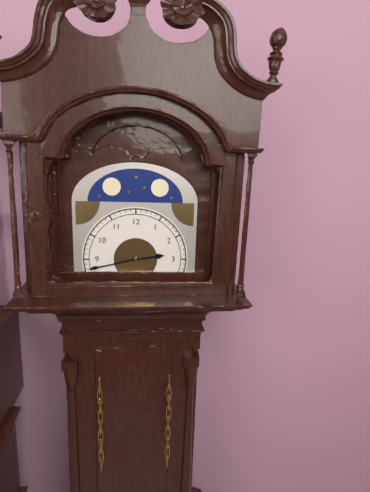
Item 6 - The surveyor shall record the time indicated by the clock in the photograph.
2:43
